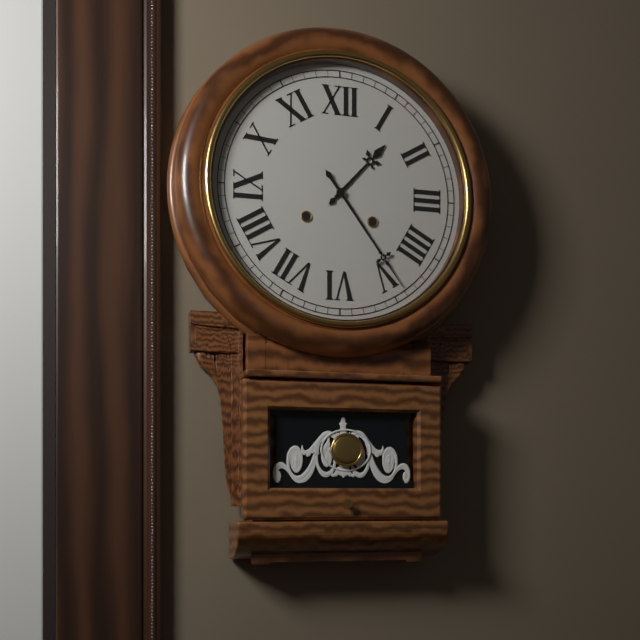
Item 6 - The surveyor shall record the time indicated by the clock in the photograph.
1:24
